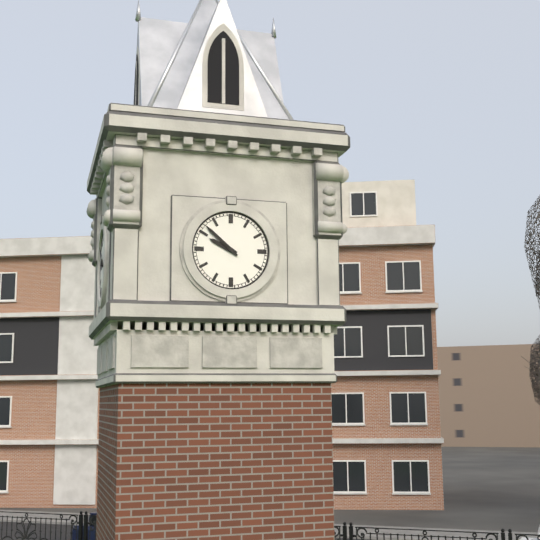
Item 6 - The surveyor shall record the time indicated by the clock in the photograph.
9:52
